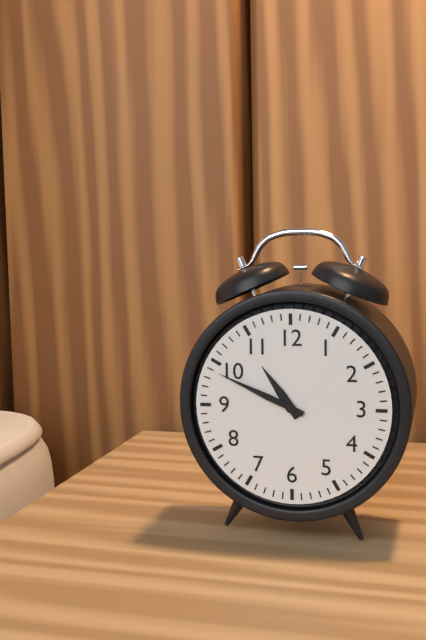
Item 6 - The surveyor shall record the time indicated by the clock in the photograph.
10:49
